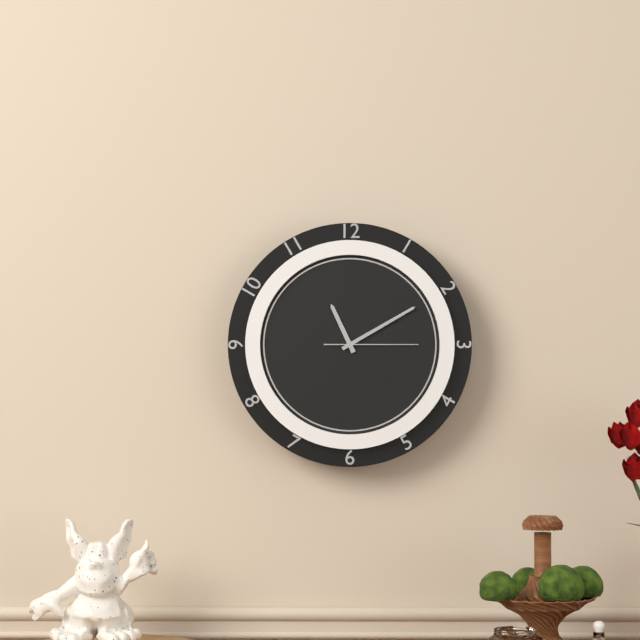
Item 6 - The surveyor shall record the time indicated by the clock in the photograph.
11:10:15
